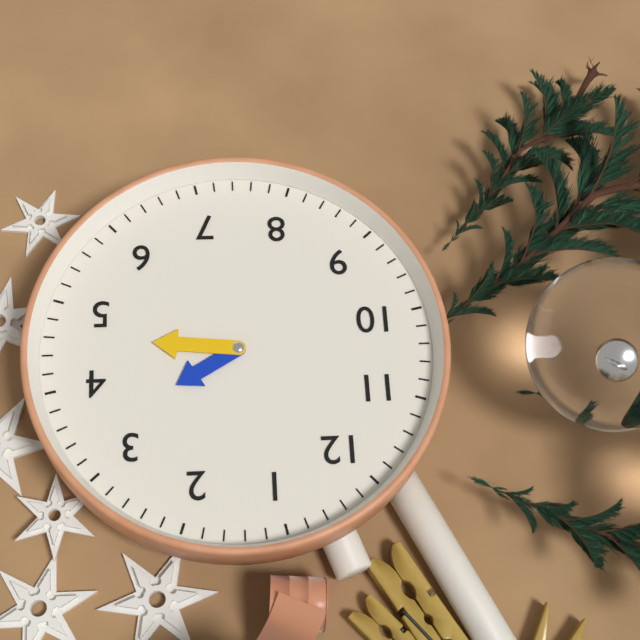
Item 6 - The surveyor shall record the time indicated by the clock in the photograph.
3:23
